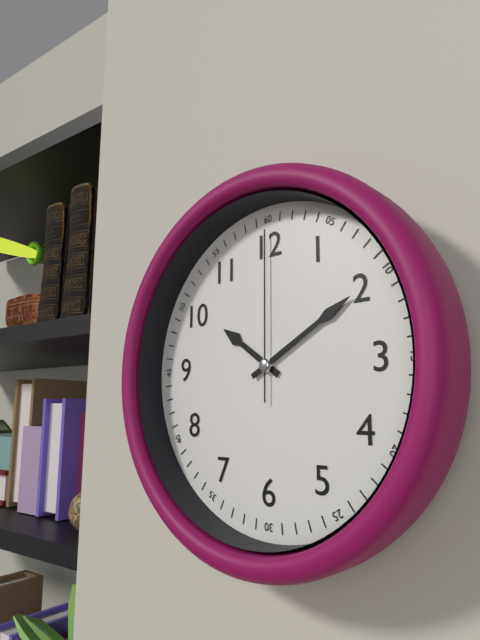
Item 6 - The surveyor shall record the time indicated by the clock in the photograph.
10:10:00
